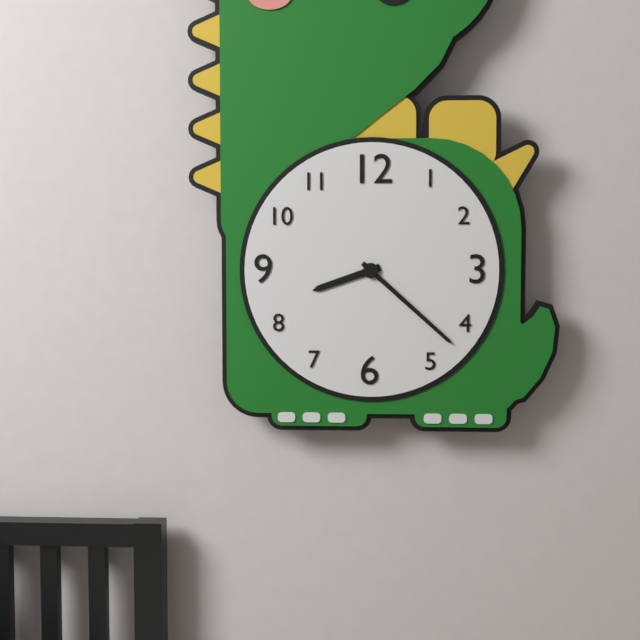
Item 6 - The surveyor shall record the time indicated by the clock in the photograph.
8:22
